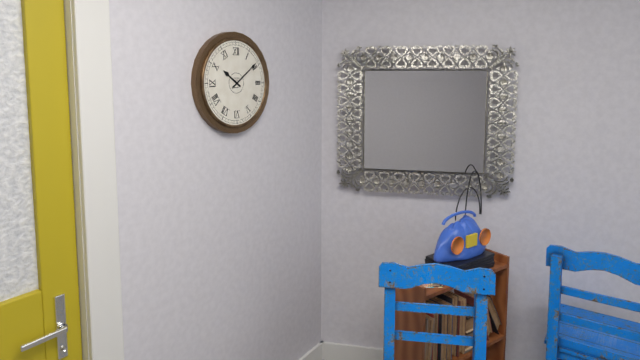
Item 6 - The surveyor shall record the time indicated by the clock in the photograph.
10:09
